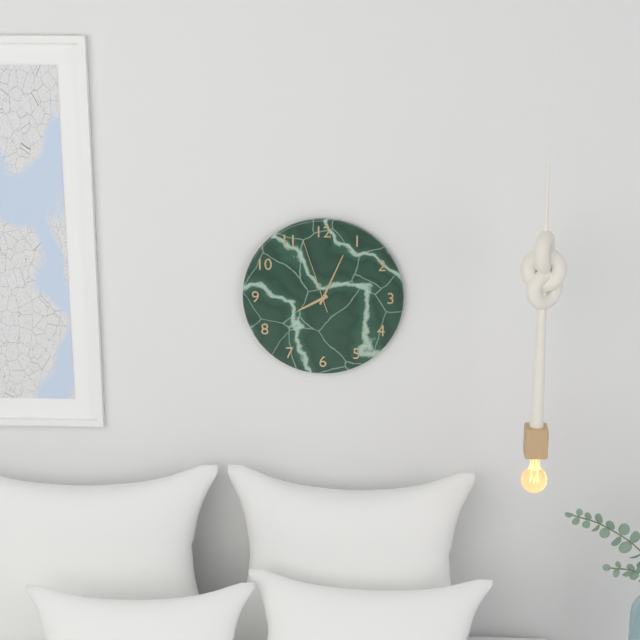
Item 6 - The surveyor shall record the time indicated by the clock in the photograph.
8:04:57
